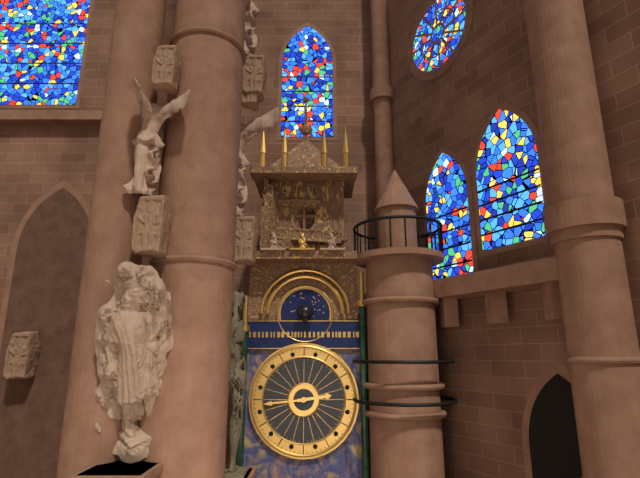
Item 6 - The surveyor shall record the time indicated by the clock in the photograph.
2:44
